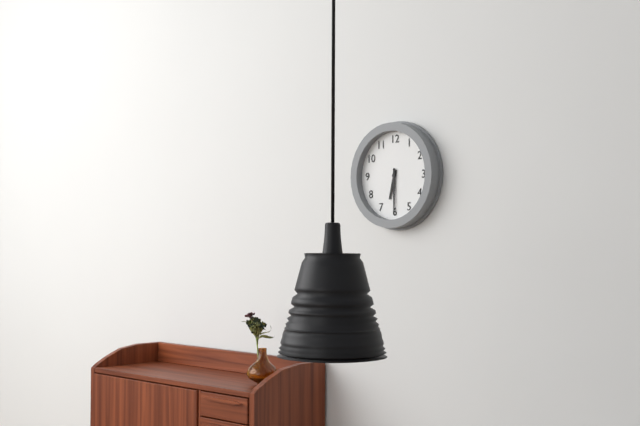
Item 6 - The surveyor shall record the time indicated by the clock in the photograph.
6:30
